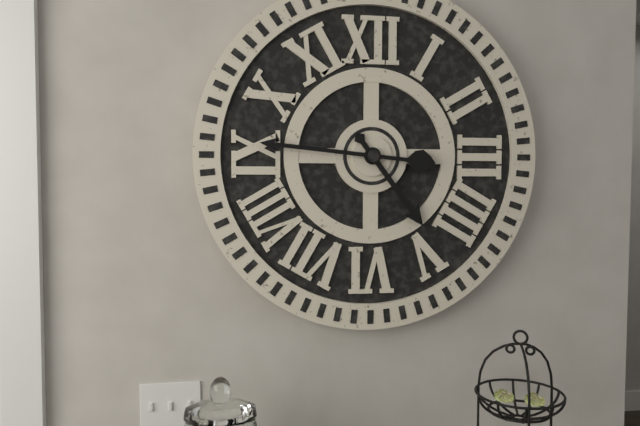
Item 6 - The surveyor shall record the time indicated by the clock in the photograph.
4:46
